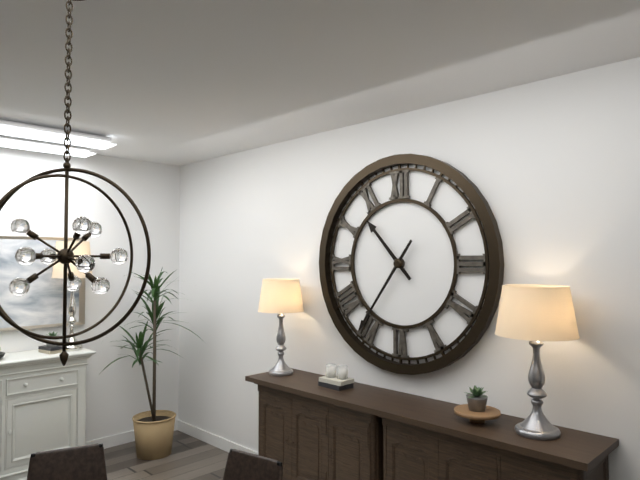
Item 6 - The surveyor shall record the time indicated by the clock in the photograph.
10:36
